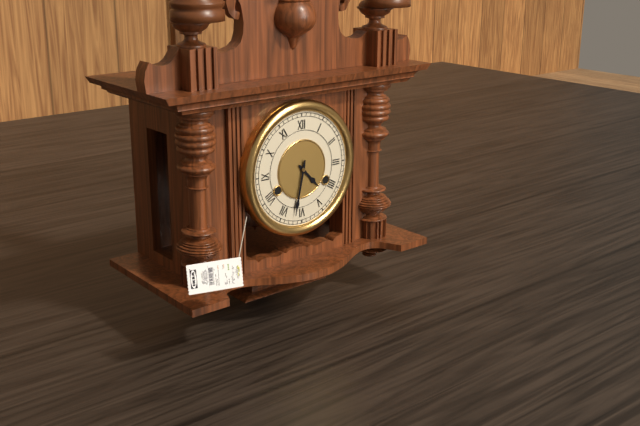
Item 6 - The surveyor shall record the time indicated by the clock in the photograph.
4:32
